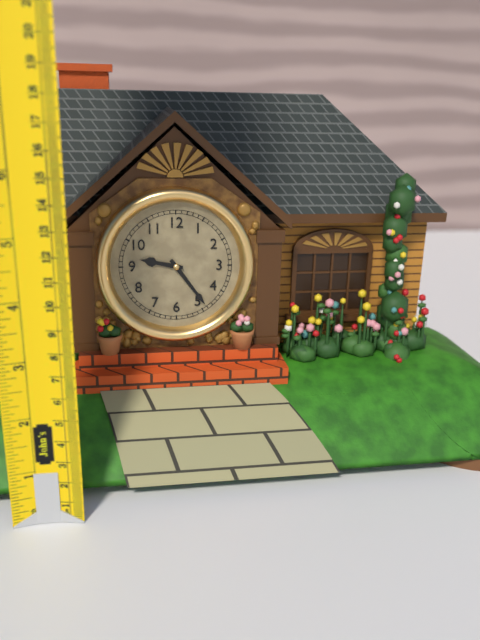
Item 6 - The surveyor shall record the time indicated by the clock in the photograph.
9:24
